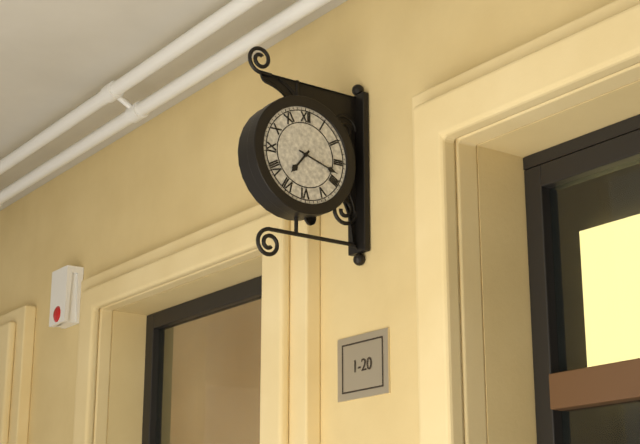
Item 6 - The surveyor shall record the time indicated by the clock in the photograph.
7:18
